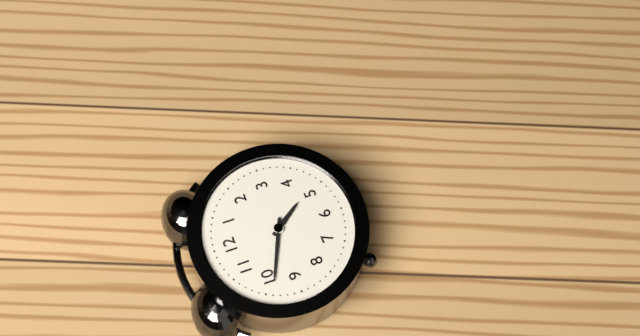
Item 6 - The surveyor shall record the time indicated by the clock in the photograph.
4:49
